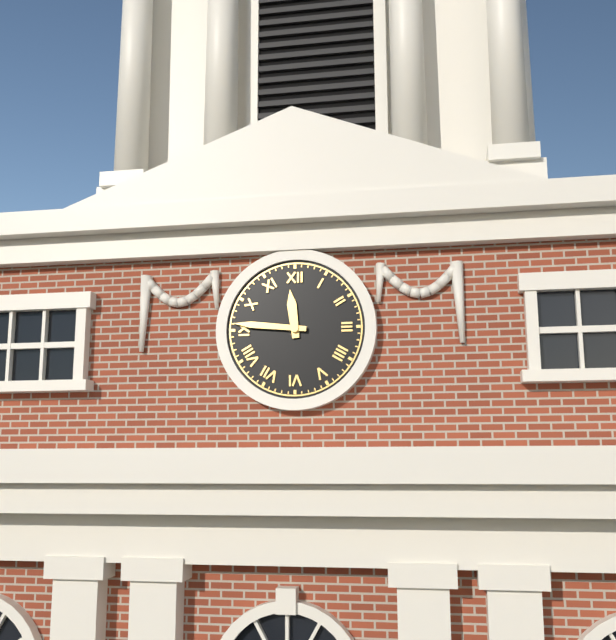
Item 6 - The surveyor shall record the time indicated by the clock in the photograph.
11:46
